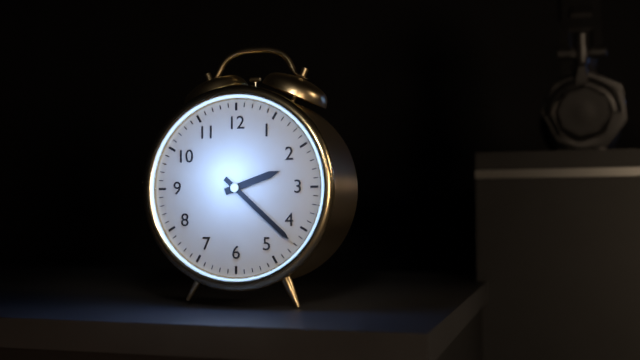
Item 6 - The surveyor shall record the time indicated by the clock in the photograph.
2:22
